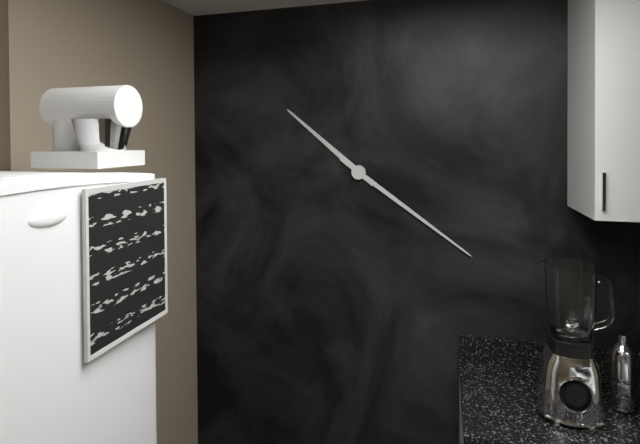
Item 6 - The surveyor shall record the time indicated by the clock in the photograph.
10:21
